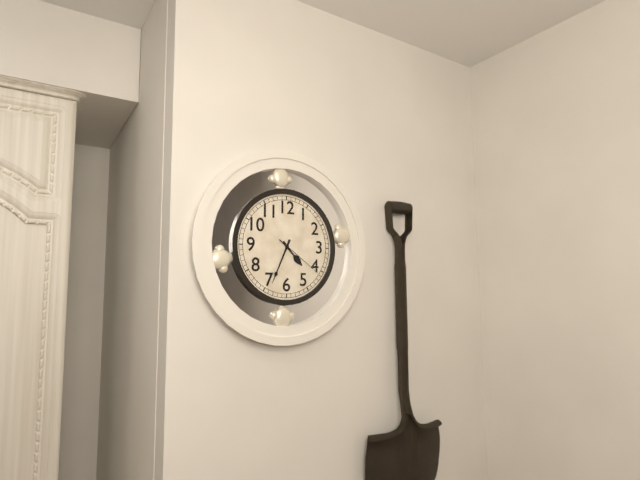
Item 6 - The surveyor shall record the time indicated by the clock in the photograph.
4:34:21
